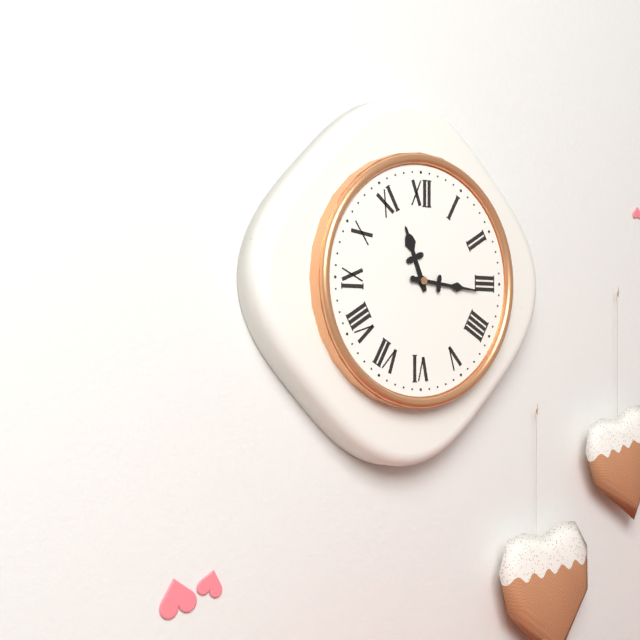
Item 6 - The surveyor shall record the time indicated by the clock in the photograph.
11:16
